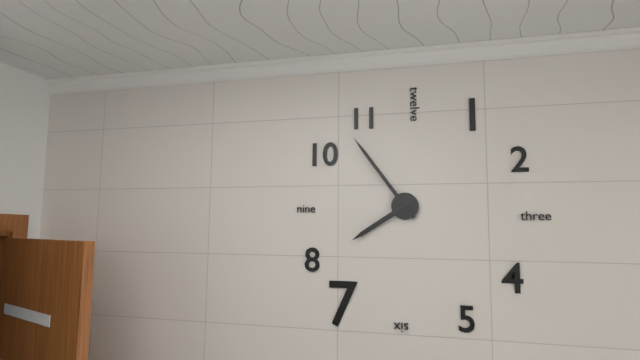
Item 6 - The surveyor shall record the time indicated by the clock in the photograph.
7:54
